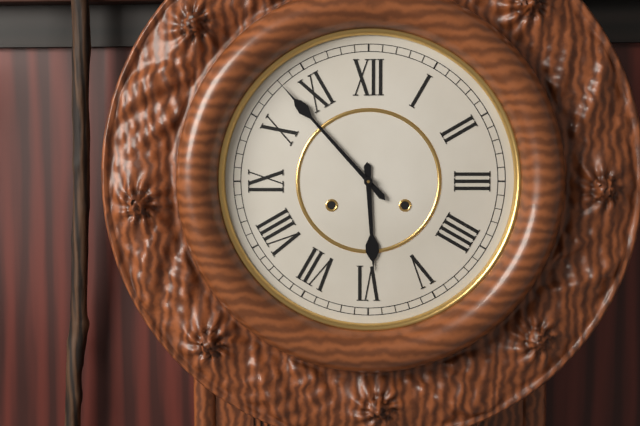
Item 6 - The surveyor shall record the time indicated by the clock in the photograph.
5:53
